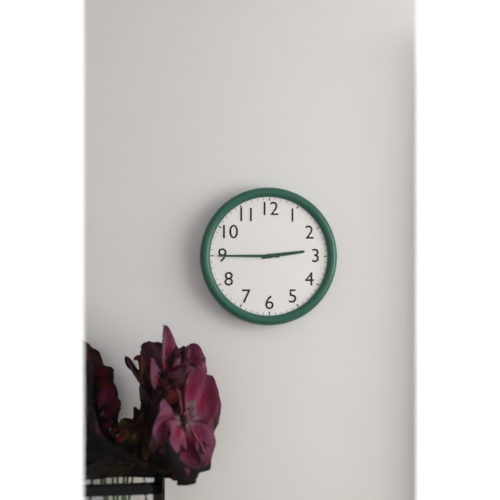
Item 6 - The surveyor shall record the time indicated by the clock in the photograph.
2:45
